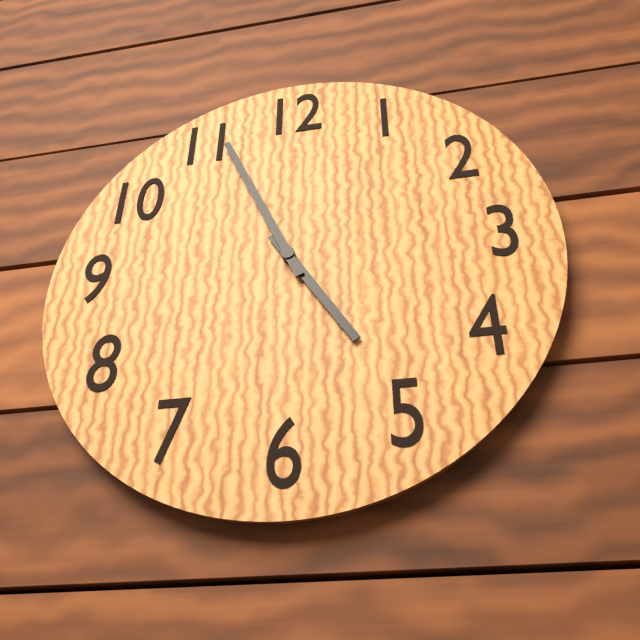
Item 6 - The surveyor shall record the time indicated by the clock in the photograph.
4:56
